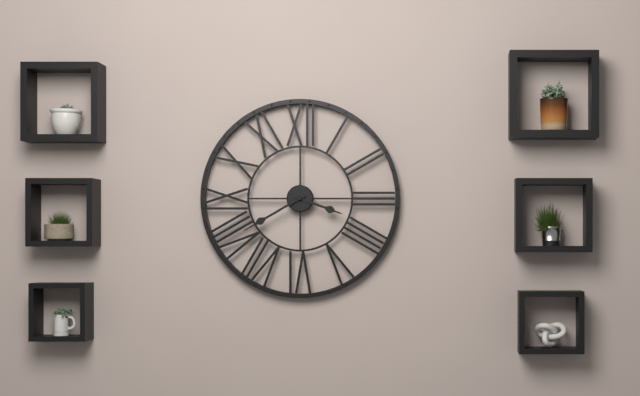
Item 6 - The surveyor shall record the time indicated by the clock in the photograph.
3:40
